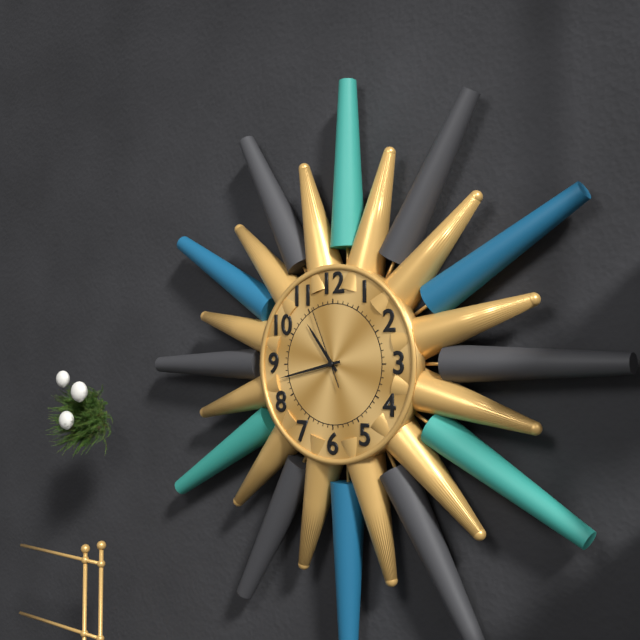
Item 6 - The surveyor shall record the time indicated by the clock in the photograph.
10:43:56
